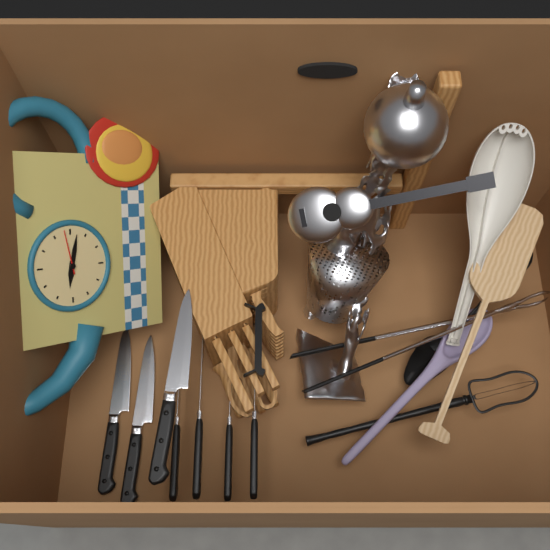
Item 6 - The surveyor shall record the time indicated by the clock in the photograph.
9:17
